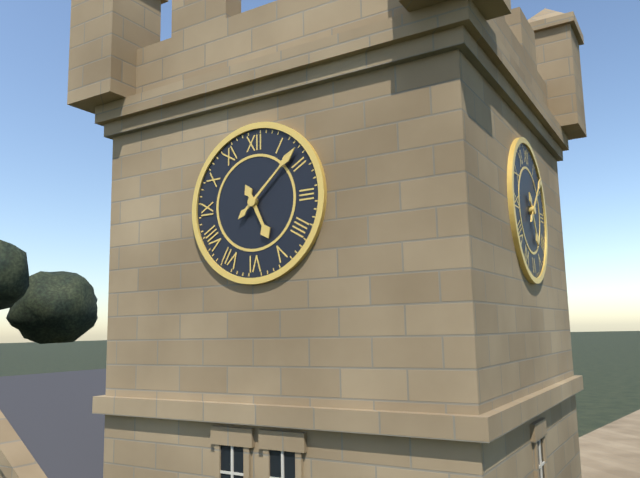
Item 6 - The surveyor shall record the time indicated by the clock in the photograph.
5:08
